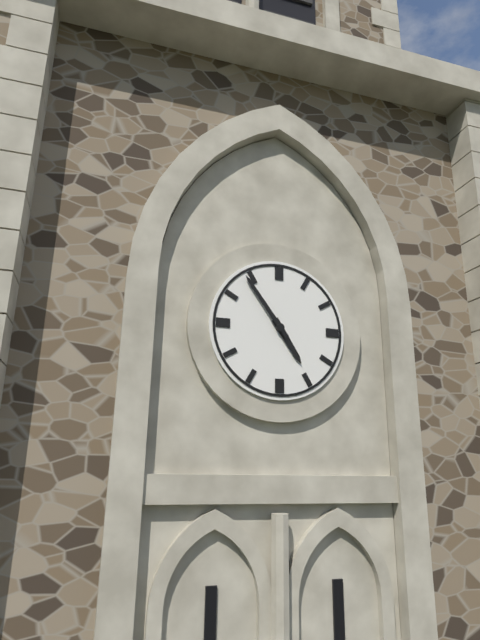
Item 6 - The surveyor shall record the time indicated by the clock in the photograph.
4:54
